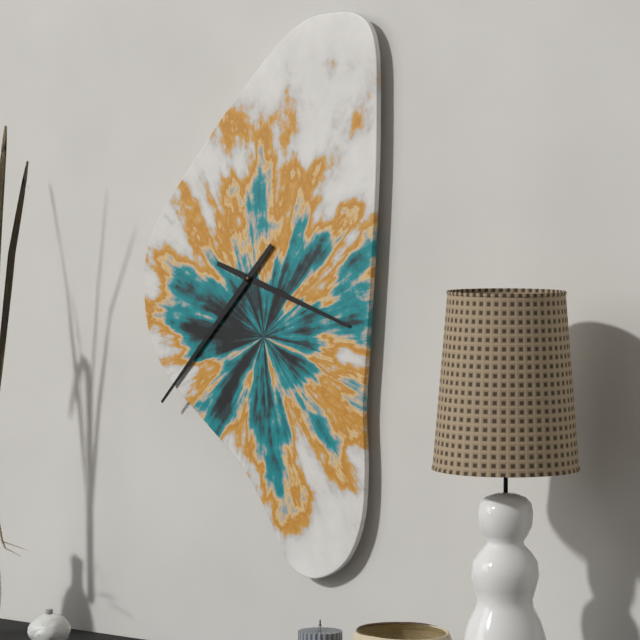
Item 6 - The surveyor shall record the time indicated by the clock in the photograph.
3:37
